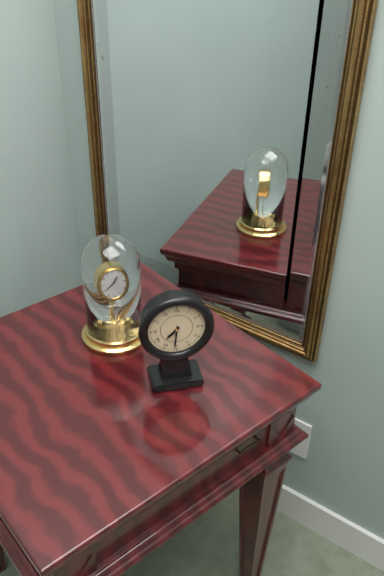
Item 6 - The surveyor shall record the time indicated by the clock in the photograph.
7:31
